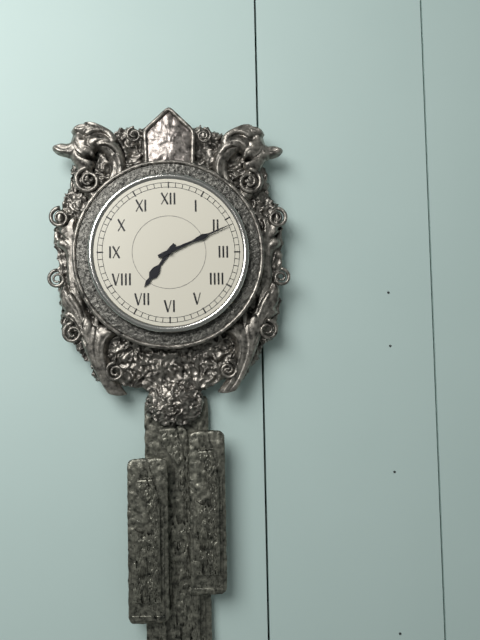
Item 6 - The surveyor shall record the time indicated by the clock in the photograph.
7:11
